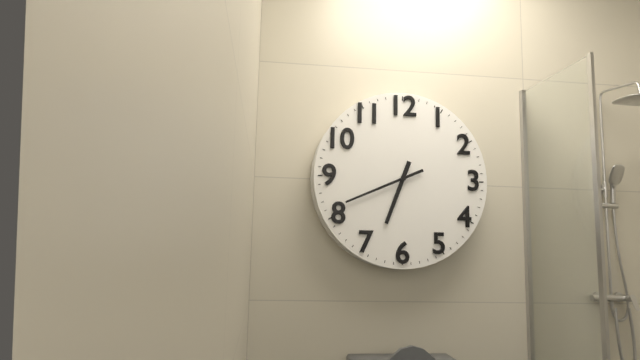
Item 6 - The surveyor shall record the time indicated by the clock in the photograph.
6:41
